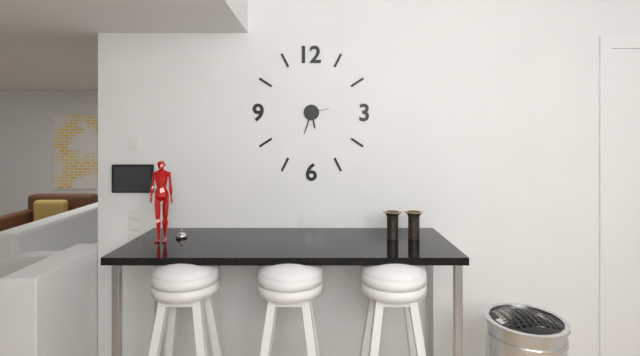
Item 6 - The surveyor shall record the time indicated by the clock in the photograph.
5:33
